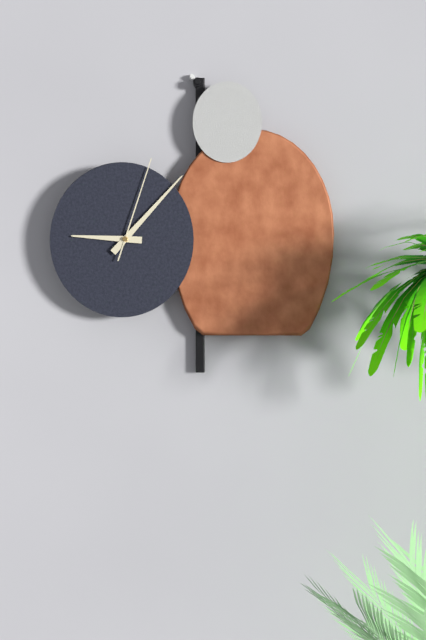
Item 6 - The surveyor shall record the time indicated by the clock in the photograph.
9:07:03
